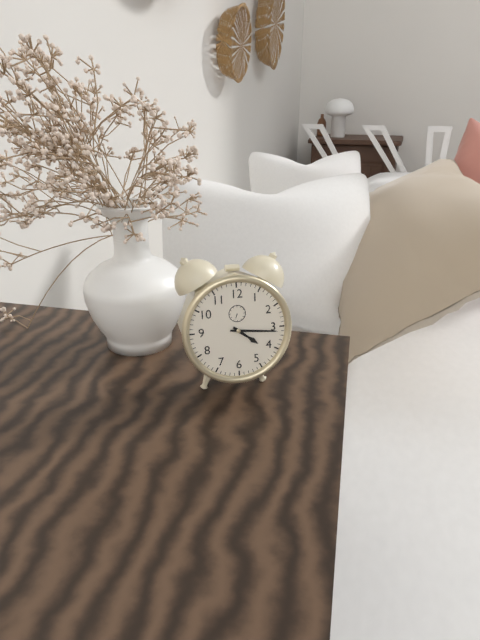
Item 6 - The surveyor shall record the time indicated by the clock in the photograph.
4:16
